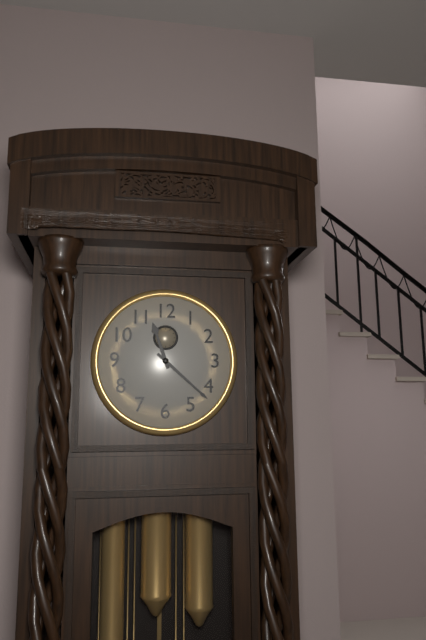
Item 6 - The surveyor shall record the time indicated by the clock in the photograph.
11:22
